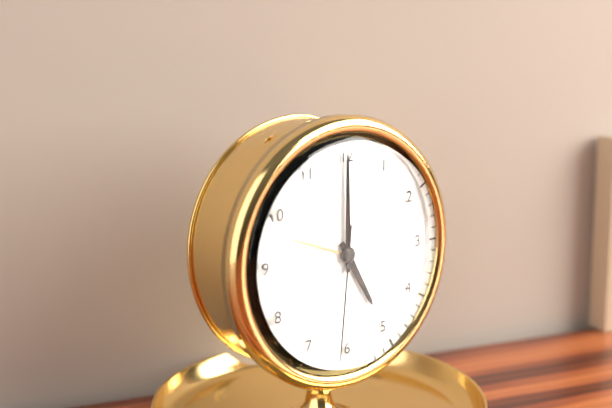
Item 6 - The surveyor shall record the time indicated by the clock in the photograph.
5:00:31
